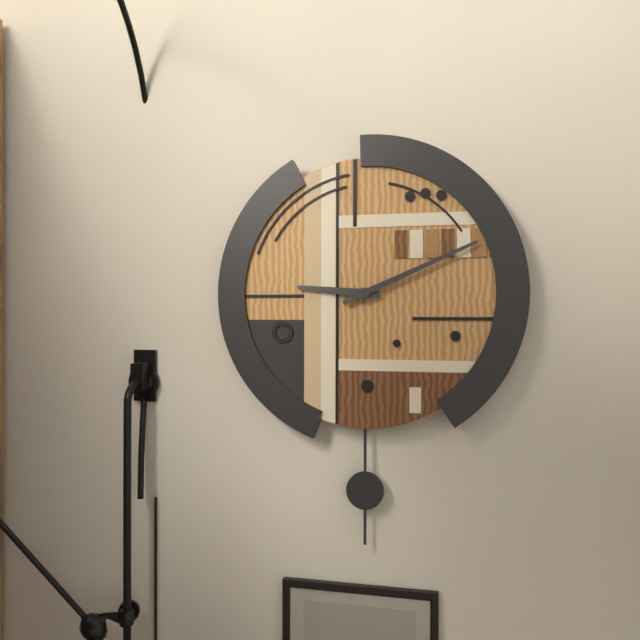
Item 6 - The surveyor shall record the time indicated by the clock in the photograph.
9:11
